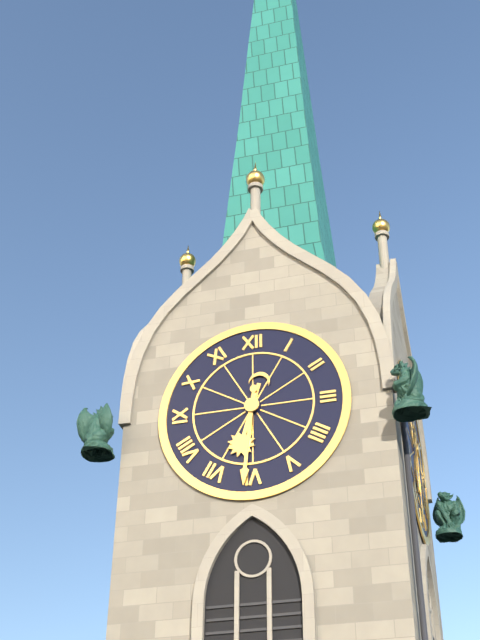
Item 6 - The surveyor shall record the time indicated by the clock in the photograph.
6:31
